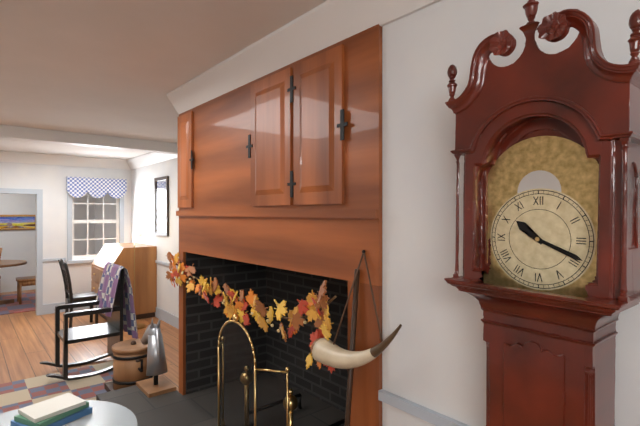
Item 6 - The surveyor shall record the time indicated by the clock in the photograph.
10:19
